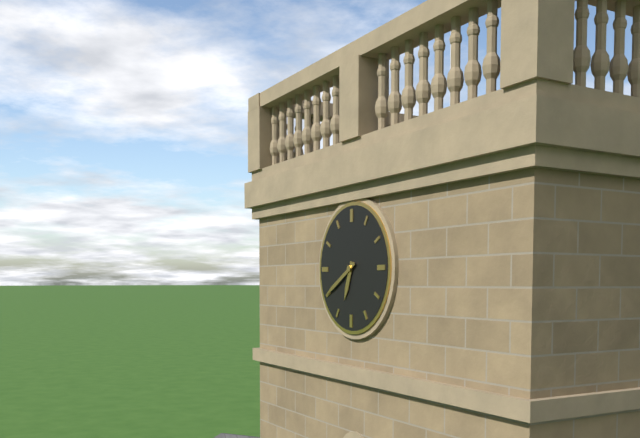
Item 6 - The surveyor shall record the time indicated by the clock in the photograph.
6:40
